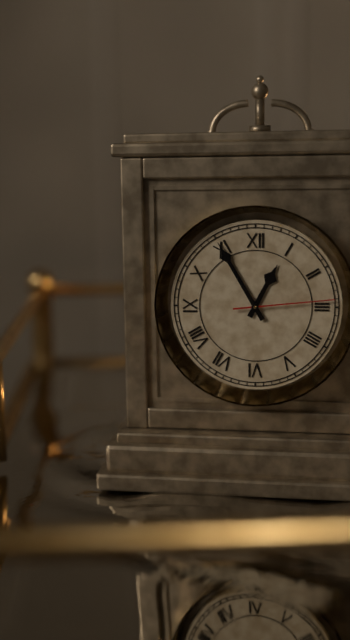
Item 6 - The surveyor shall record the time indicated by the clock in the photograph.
12:55:14
